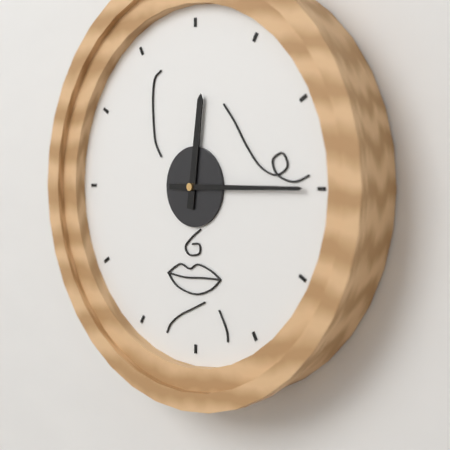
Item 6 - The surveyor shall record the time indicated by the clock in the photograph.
12:15
